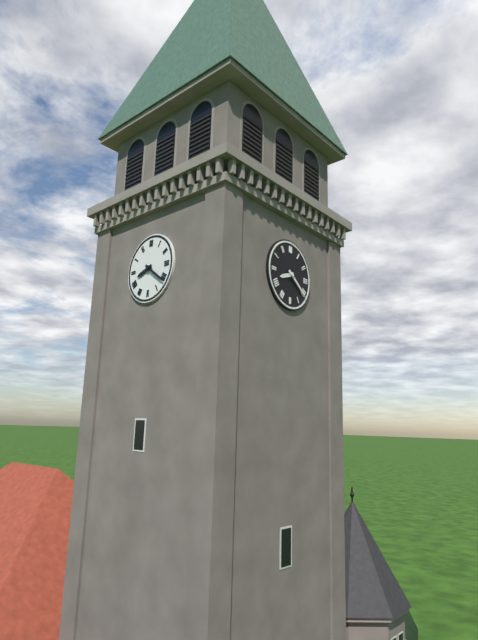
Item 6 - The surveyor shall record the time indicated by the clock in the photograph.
8:21
